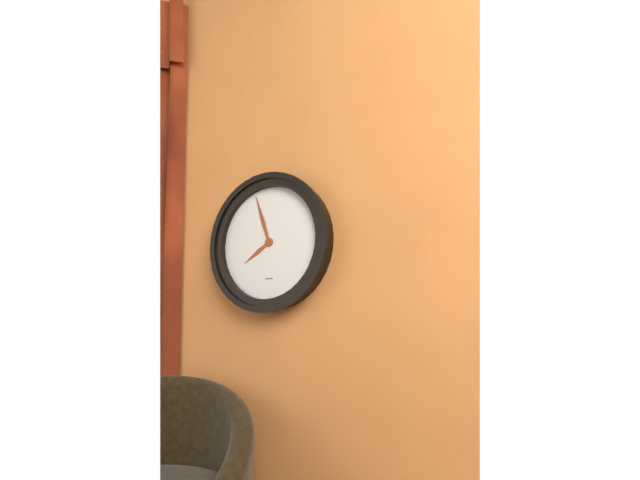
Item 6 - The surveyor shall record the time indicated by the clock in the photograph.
7:57
